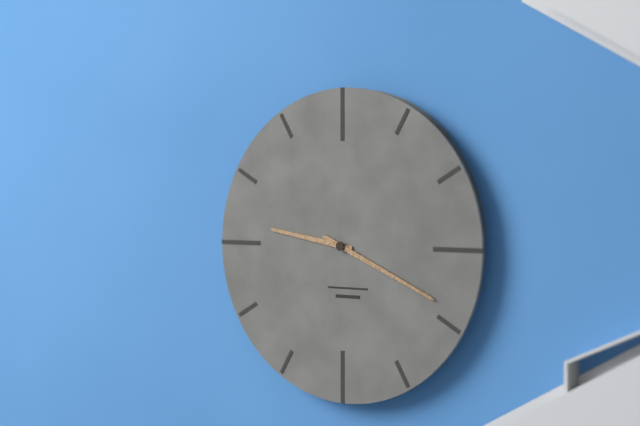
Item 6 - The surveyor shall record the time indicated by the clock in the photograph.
9:19
